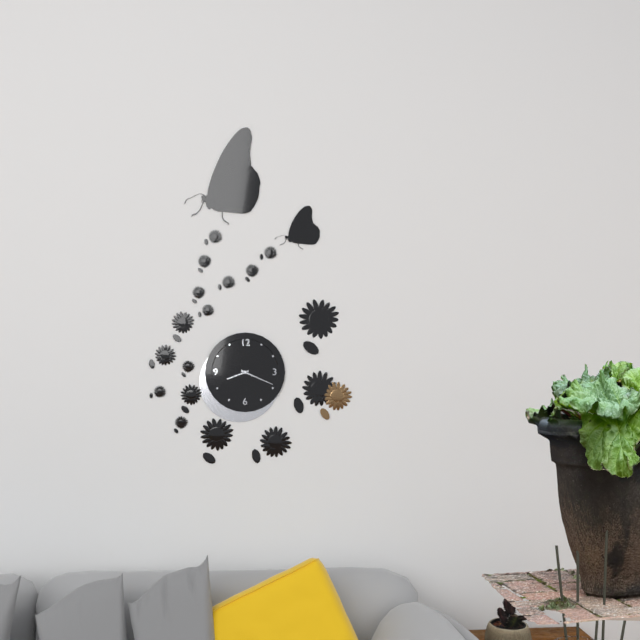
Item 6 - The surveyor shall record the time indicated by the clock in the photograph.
8:19
